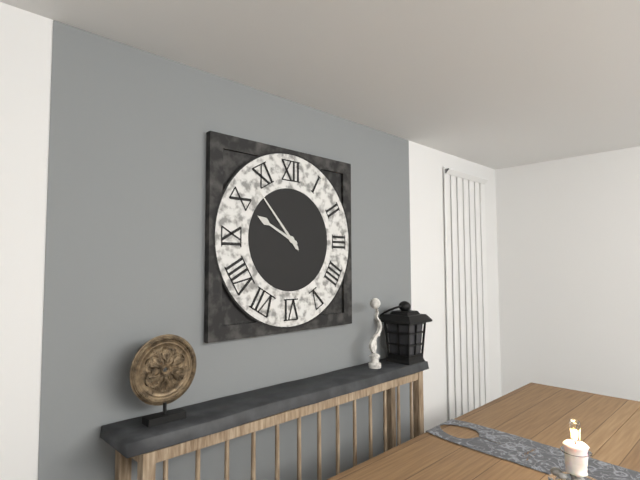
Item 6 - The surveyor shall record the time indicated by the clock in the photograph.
9:53
